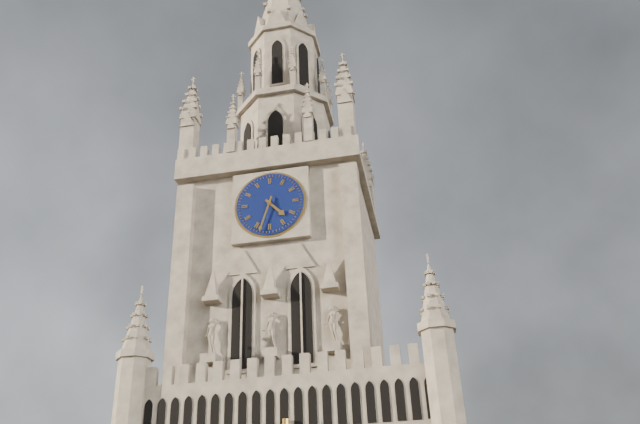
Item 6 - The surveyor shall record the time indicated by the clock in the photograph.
4:33
